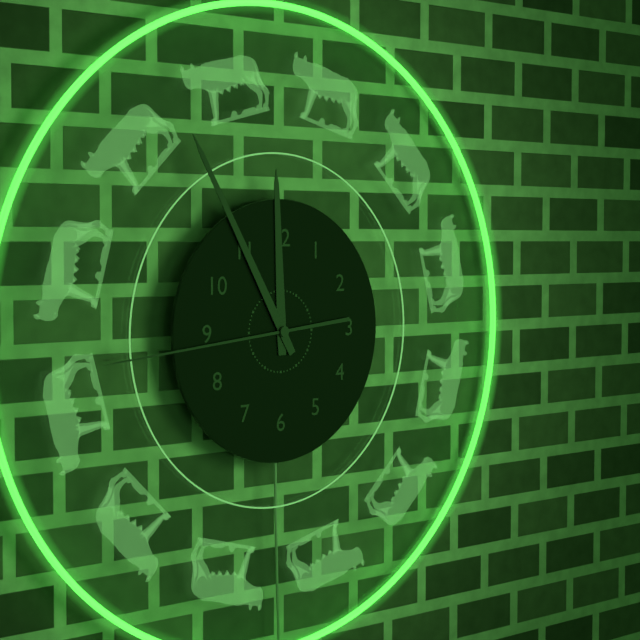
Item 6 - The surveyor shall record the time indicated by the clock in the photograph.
11:55:44
